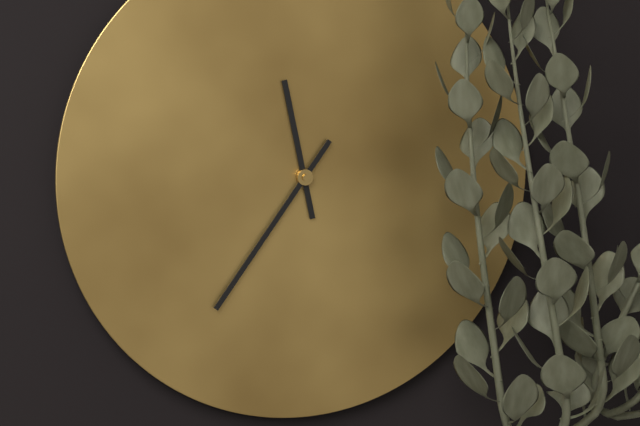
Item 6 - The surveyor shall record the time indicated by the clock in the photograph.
11:36
